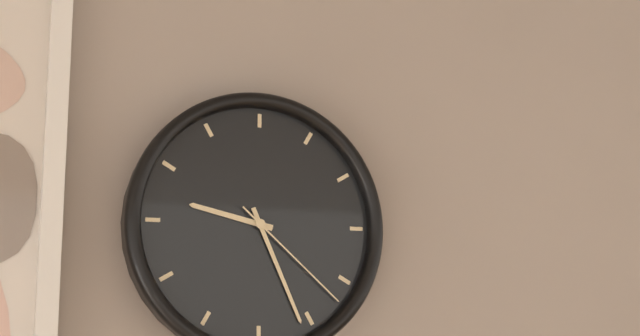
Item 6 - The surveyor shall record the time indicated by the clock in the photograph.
9:26:22
